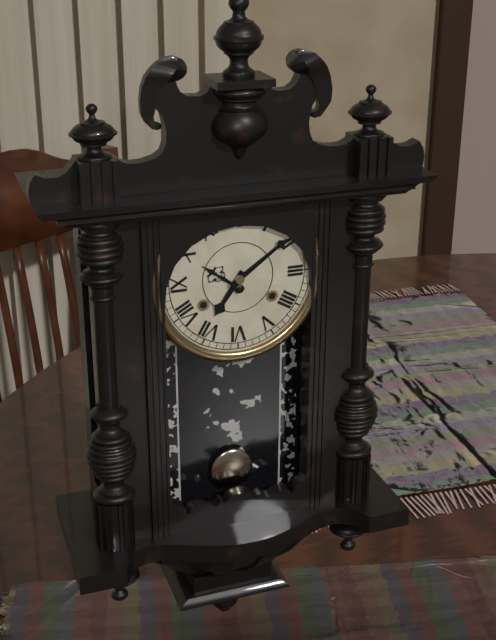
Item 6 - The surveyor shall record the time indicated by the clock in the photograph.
7:09
